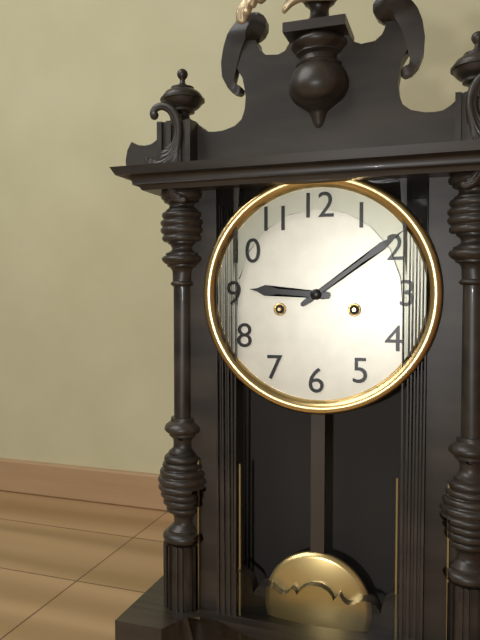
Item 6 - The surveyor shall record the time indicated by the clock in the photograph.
9:09
